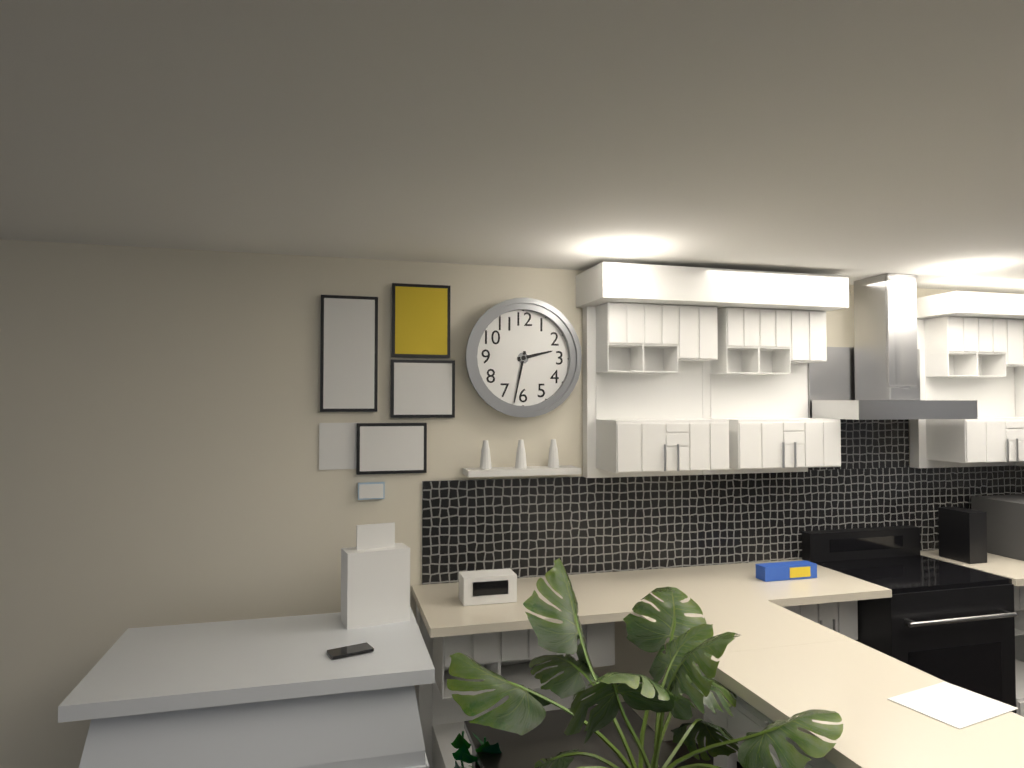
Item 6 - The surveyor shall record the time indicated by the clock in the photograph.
2:32
